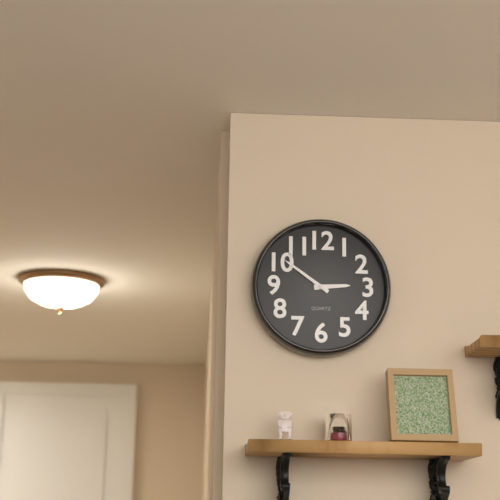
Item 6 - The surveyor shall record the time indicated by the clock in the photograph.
2:51
